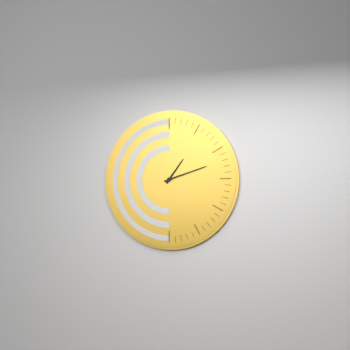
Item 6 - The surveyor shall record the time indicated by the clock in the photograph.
1:12
